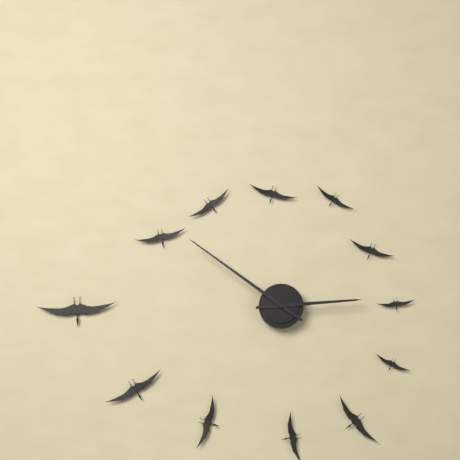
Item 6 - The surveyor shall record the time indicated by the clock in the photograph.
2:51
